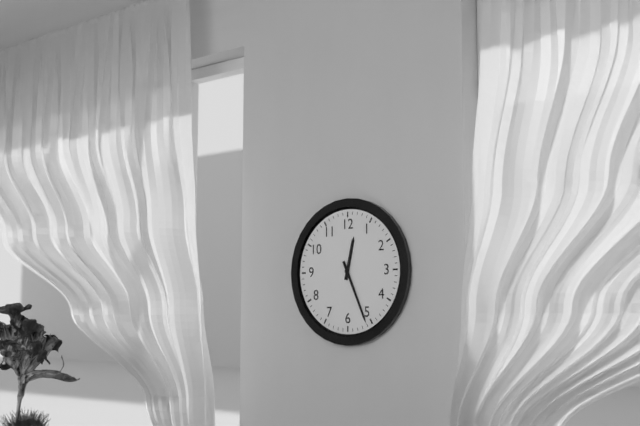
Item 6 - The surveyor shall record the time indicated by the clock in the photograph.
12:26
